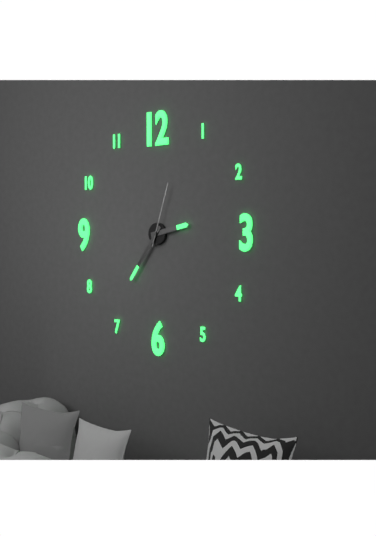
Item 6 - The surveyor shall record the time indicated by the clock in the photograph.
2:36:03
